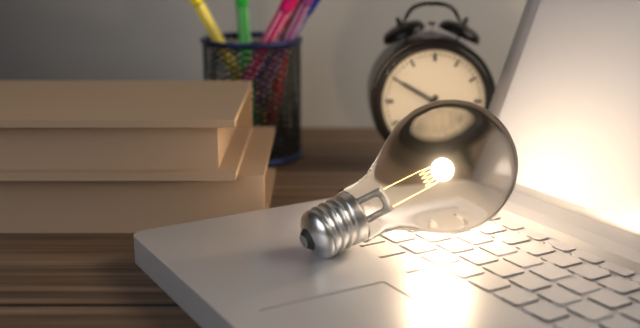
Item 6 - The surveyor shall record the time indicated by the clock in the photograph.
6:50
